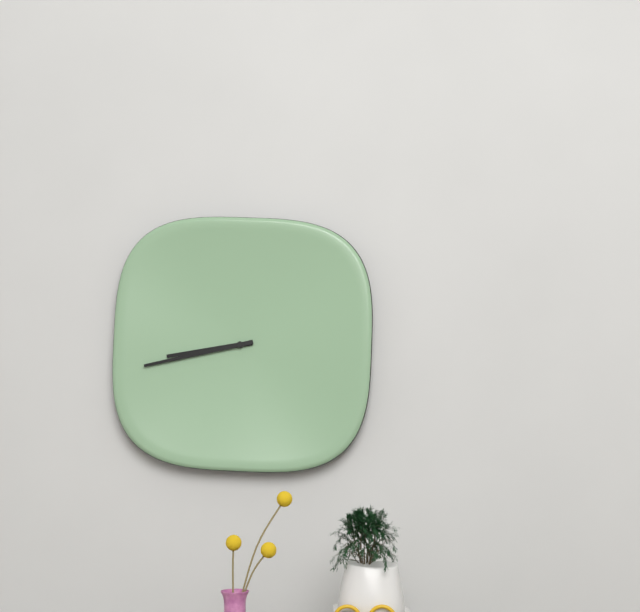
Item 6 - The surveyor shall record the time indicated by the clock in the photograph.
8:43
